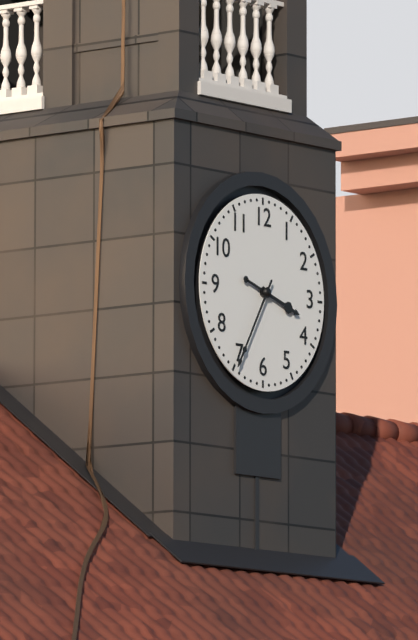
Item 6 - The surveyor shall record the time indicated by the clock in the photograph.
3:35
